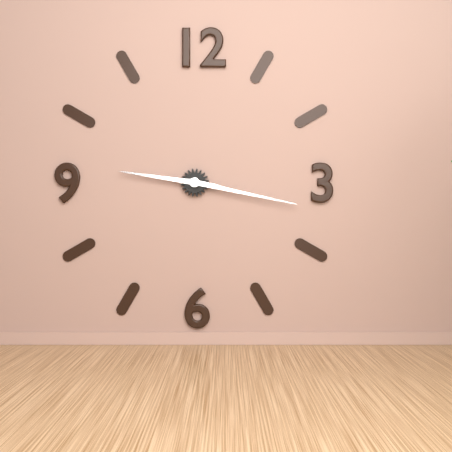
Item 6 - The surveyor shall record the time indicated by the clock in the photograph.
9:17
